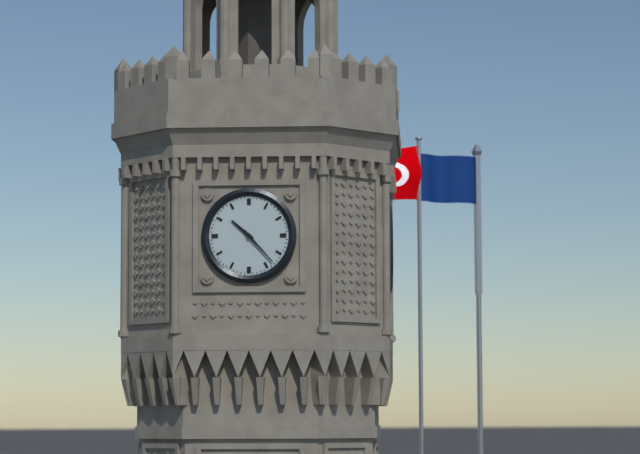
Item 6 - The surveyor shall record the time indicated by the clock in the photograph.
10:23
